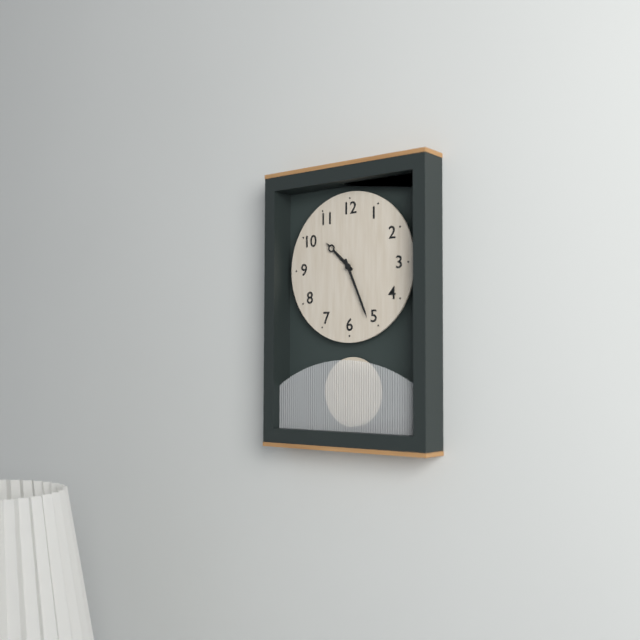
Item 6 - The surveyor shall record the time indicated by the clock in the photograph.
10:26
